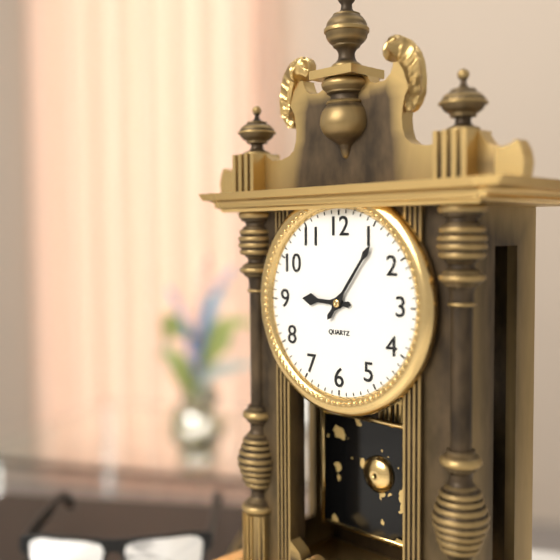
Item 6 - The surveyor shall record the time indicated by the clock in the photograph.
9:06
